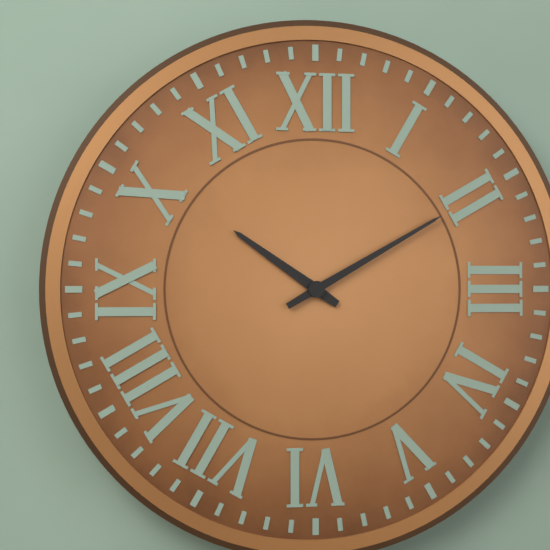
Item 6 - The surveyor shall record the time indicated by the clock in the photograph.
10:10
